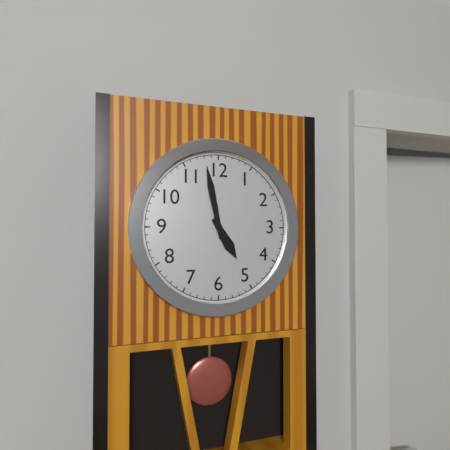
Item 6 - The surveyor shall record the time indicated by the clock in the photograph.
4:58
